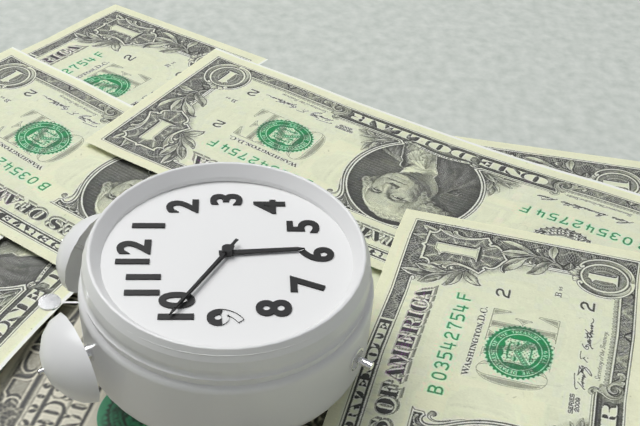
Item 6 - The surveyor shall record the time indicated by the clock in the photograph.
5:50:50
